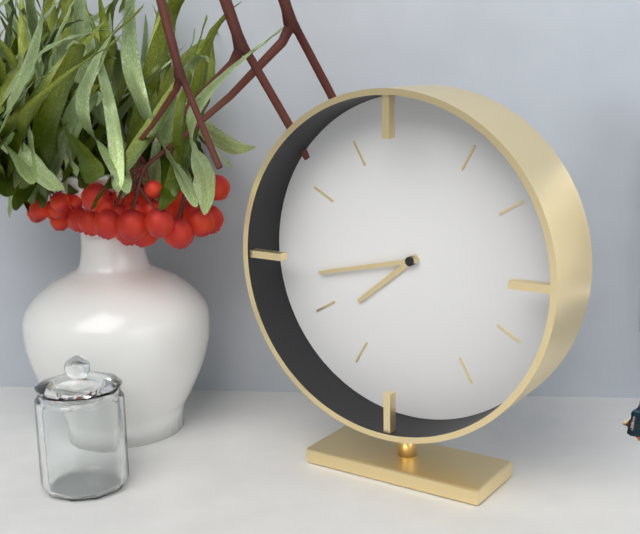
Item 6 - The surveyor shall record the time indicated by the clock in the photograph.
7:43
